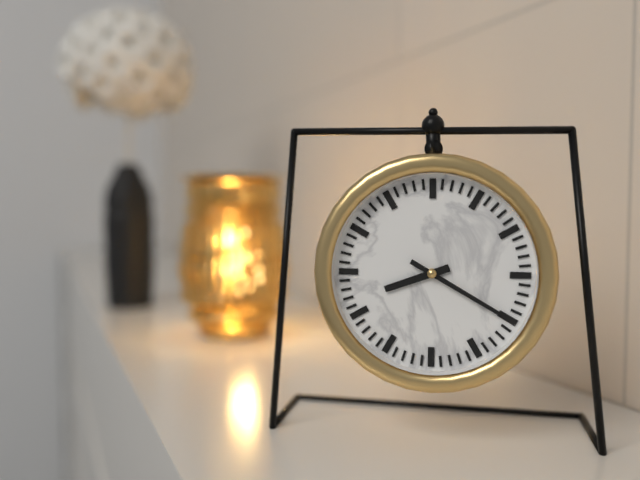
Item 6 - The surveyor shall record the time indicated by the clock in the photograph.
8:20
